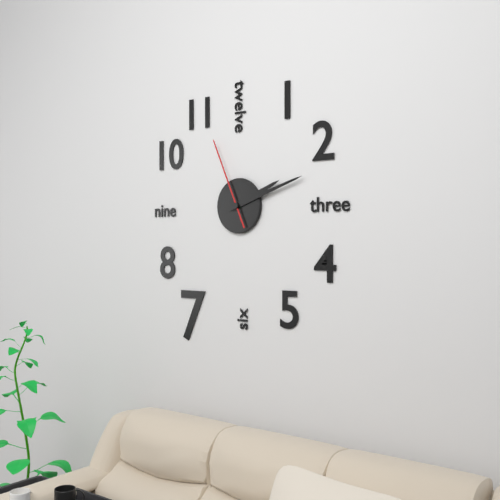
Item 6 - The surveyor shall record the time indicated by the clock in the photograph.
2:12:56
